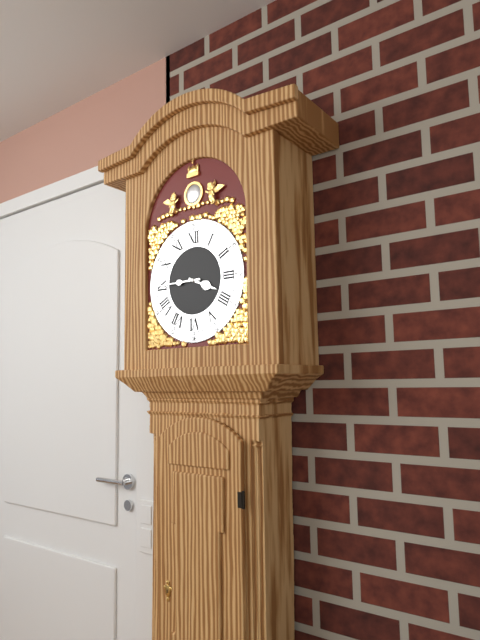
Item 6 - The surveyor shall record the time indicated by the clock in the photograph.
3:45
